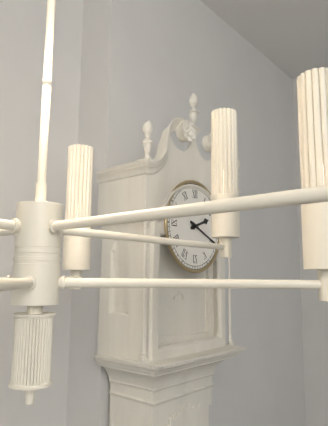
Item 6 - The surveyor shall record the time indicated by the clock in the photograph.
2:19
